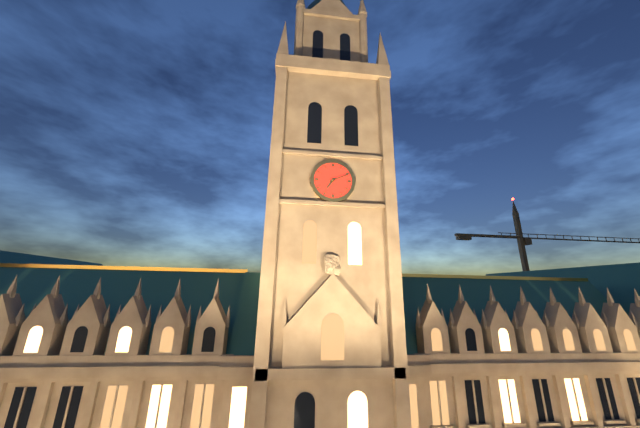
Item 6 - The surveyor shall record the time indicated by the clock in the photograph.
7:11
